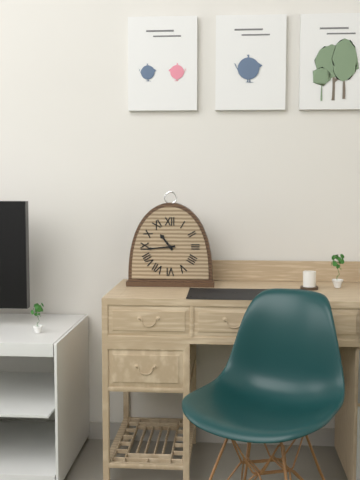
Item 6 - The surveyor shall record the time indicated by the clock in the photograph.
10:44
